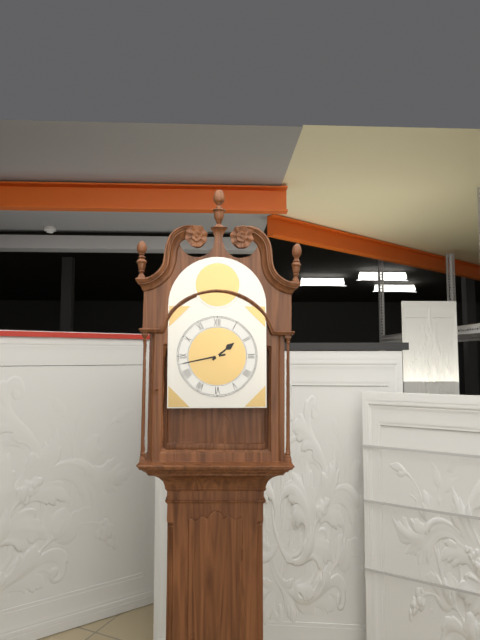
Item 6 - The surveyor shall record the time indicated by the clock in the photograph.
1:43
